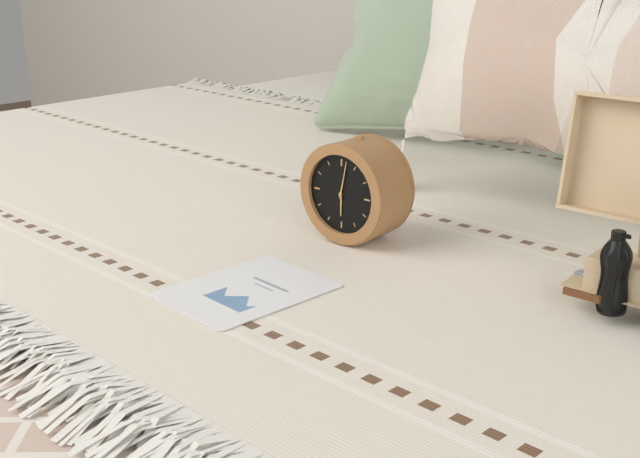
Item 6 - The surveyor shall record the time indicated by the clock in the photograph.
6:02
